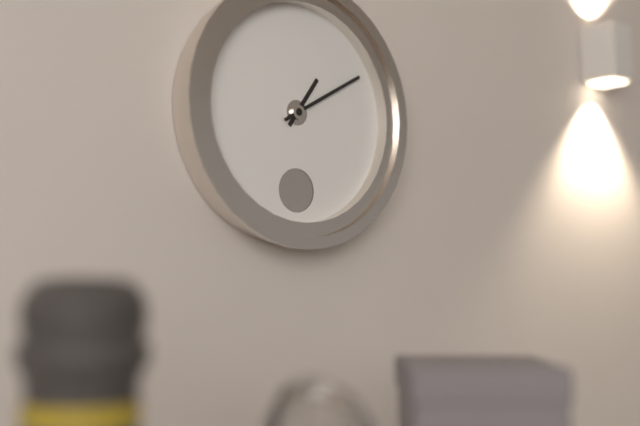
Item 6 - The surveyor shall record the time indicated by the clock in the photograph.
1:10
